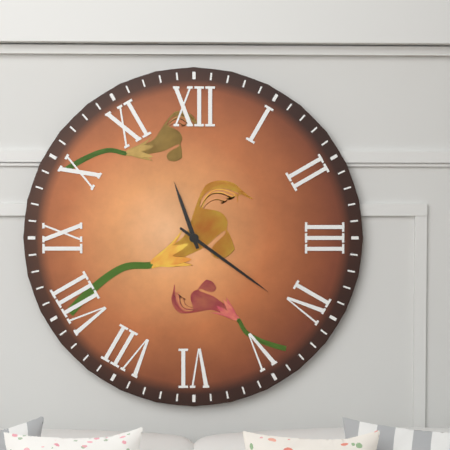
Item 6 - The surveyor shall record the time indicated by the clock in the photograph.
11:21
